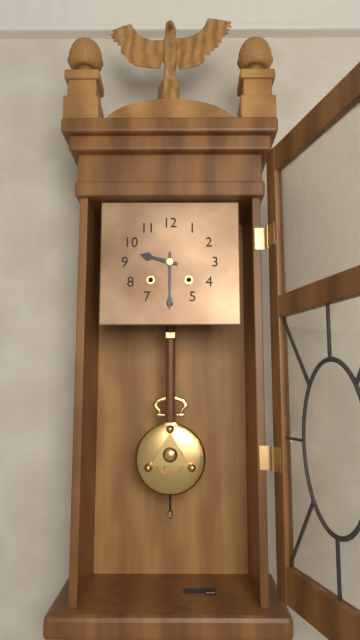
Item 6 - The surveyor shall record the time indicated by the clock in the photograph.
9:30
